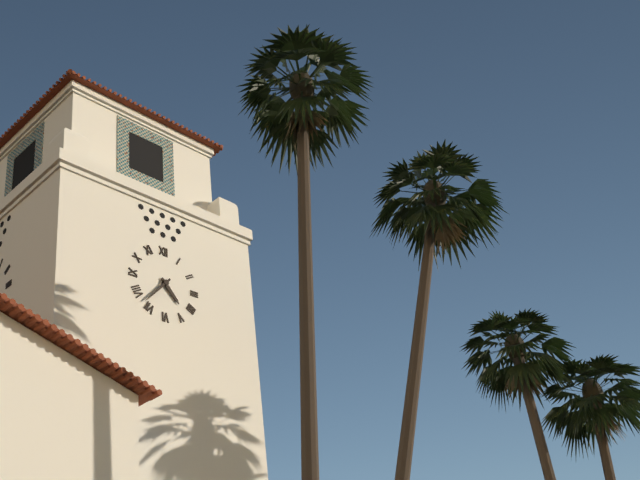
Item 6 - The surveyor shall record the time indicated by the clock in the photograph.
4:37
